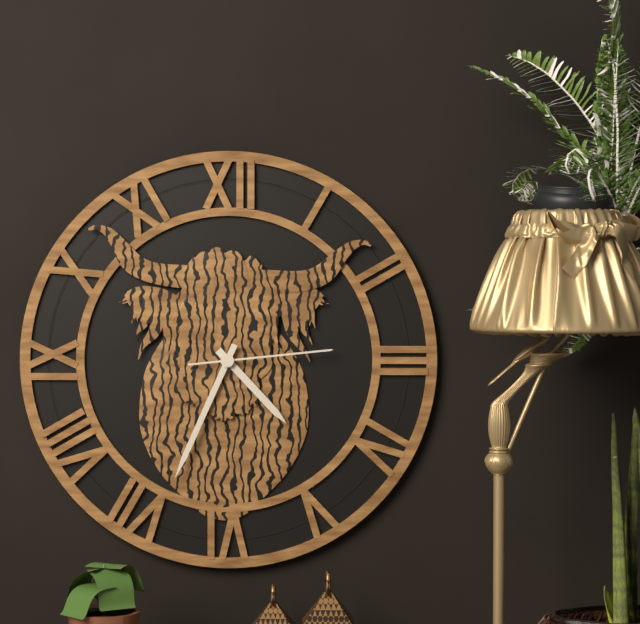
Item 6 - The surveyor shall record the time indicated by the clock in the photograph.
4:34:14
